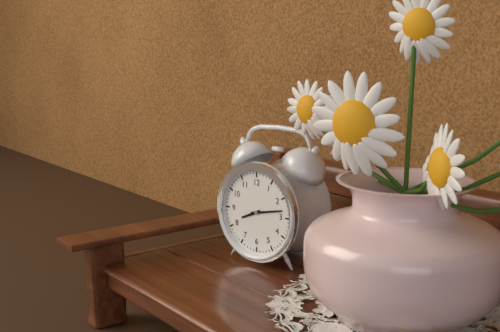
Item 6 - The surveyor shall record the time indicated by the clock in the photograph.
8:13
